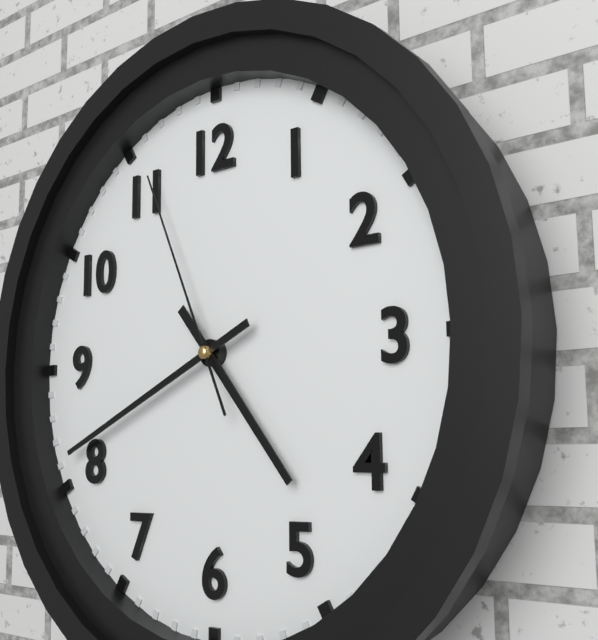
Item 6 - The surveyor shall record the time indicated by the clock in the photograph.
4:41:56
